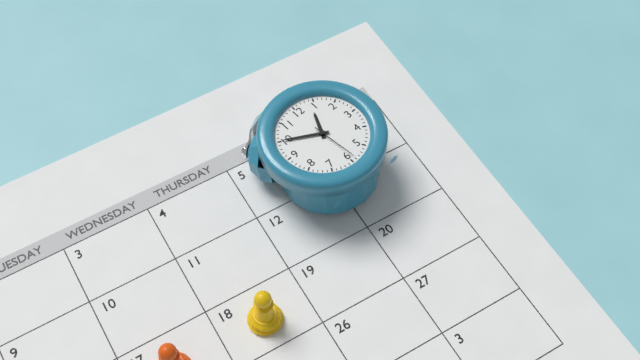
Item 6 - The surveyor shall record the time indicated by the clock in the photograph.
12:50
